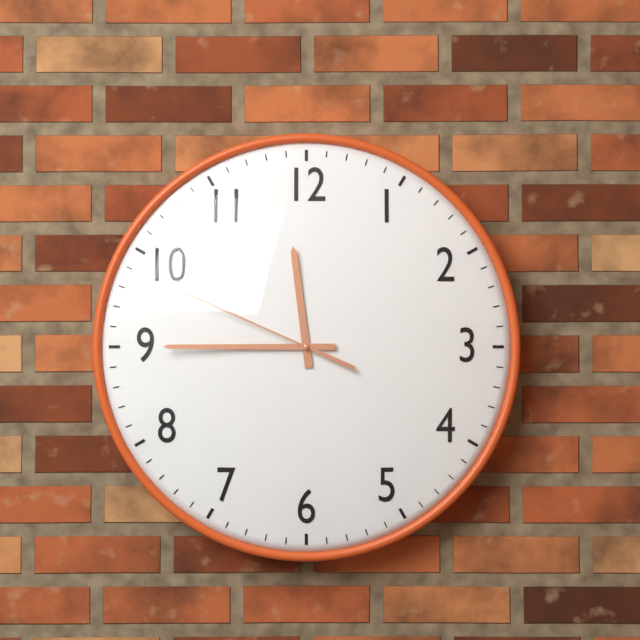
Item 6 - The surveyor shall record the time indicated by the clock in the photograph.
11:45:49
